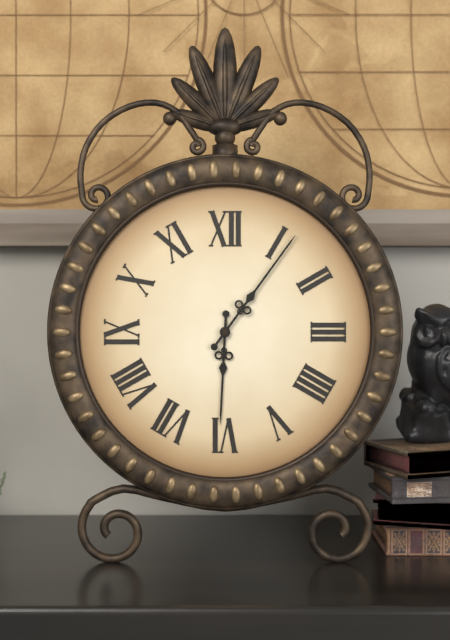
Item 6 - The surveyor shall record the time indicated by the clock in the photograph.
6:06
